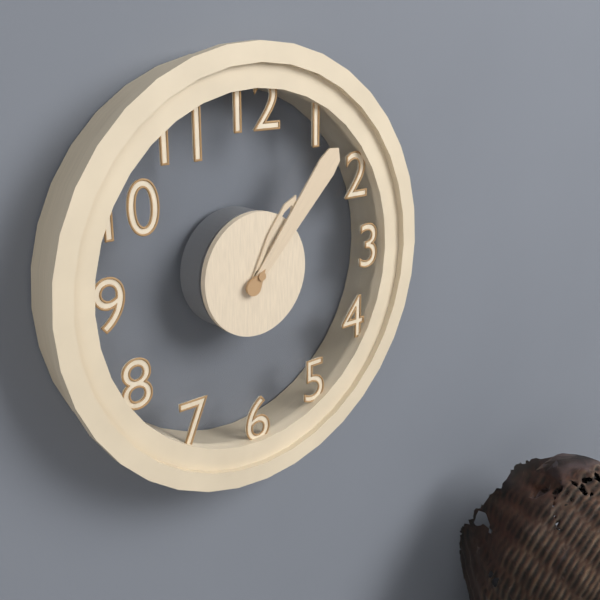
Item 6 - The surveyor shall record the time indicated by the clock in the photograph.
1:07
